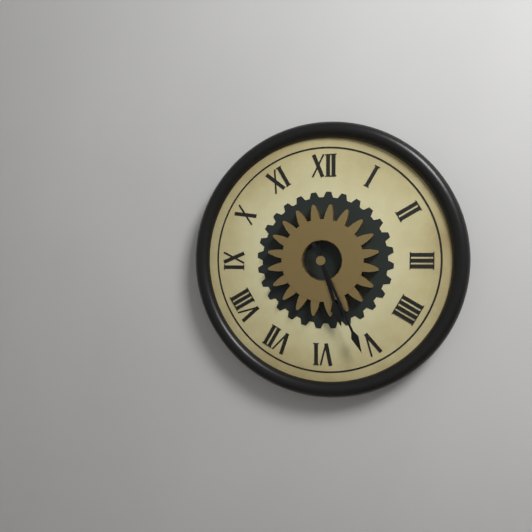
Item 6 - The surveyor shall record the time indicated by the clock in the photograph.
5:26
